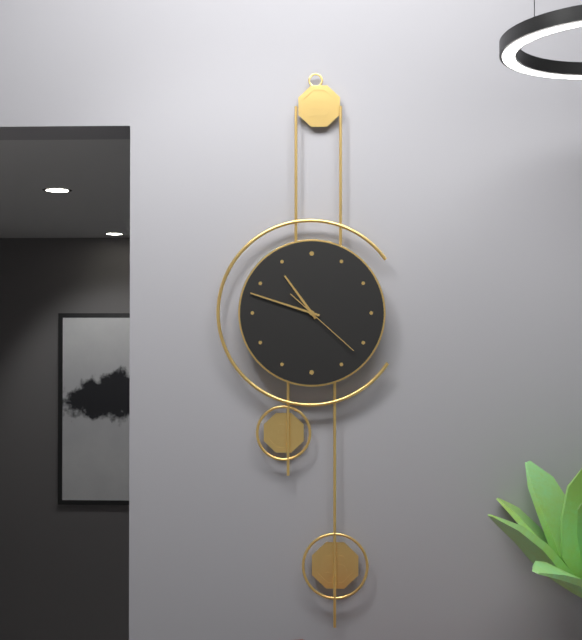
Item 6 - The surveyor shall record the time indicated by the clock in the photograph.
10:48:22
